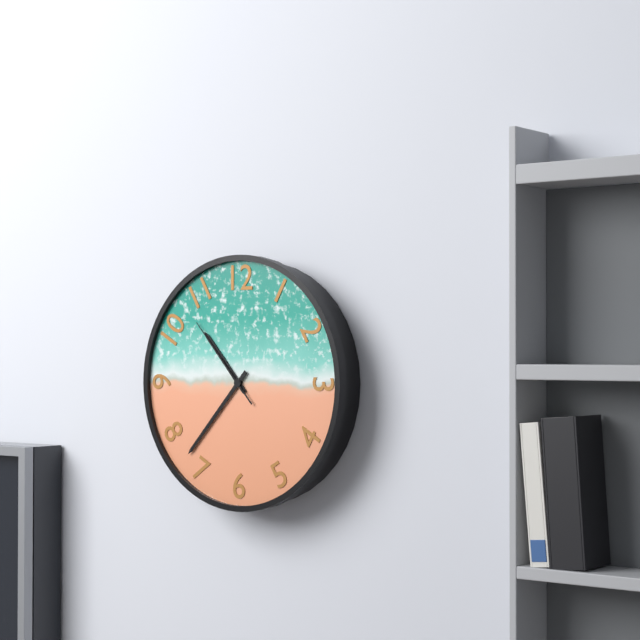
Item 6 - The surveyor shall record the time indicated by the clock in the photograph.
10:37:53
